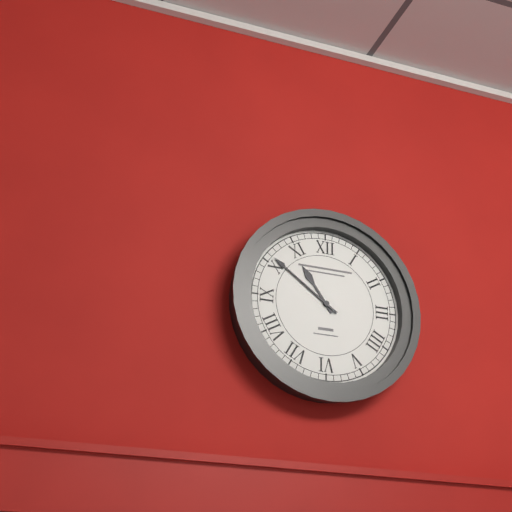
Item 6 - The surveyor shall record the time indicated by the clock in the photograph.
10:51
